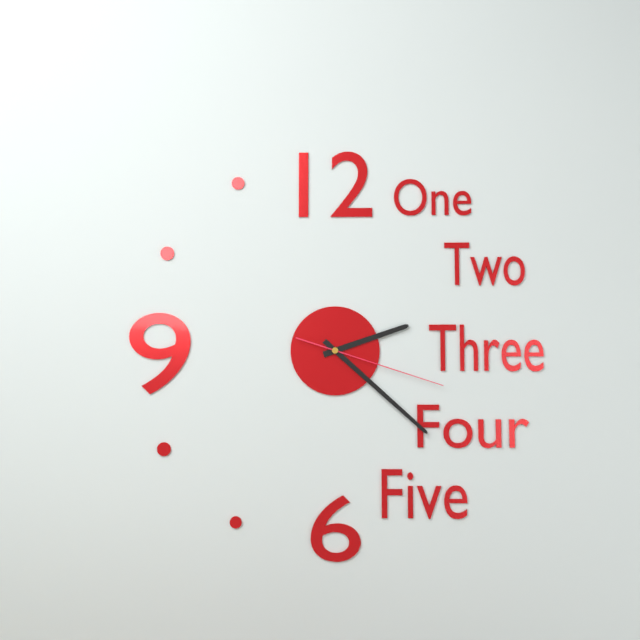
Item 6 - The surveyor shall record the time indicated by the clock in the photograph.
2:22:18
